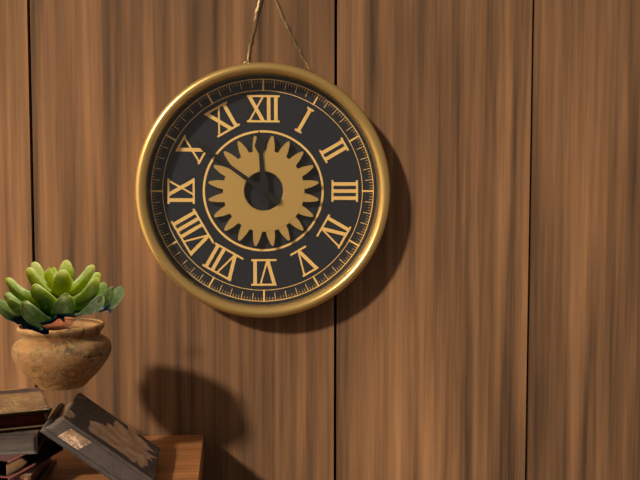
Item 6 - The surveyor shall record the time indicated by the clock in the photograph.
11:51
